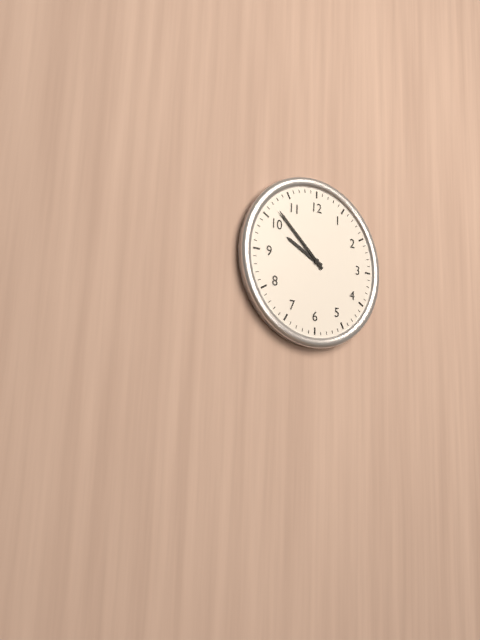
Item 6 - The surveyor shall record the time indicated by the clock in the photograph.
9:52
